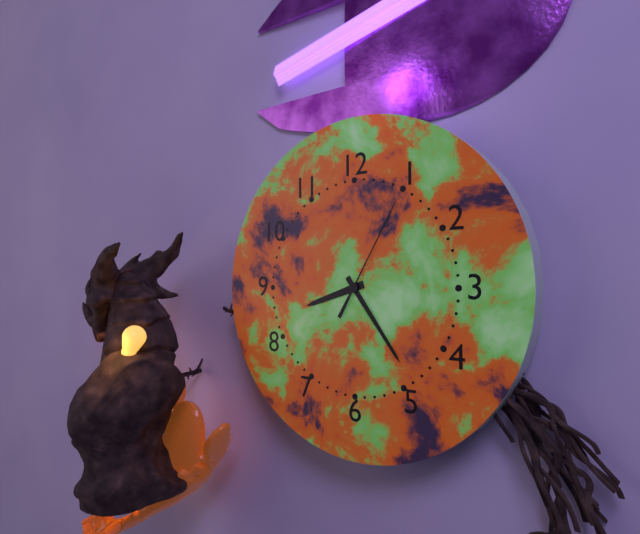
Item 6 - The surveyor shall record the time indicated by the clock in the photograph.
8:24:05
